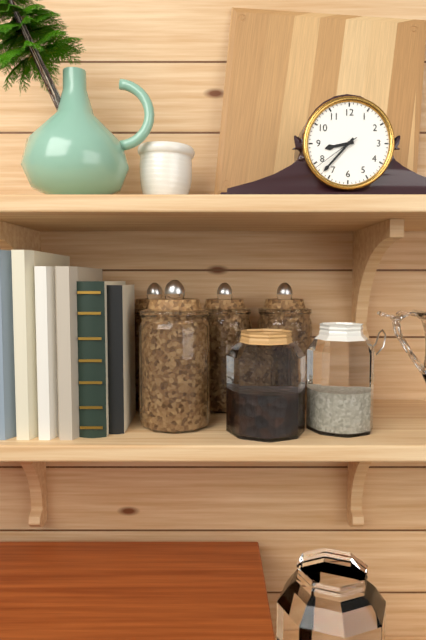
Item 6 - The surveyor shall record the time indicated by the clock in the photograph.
8:37
